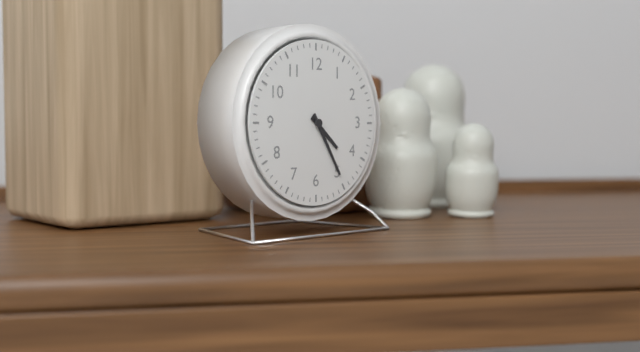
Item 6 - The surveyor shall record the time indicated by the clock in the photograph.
4:25
